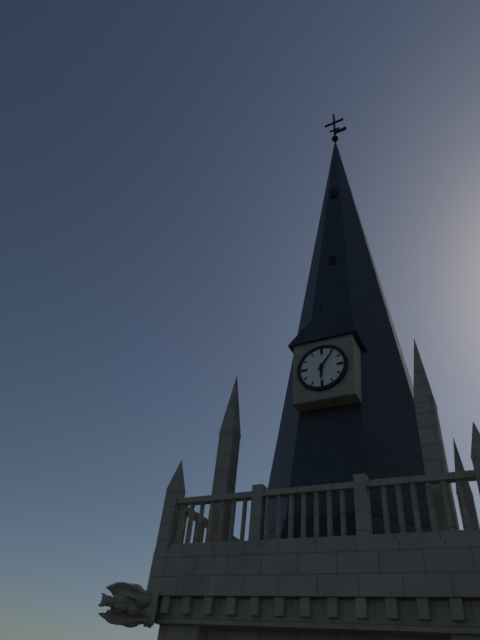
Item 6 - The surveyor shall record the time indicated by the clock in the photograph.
6:06
